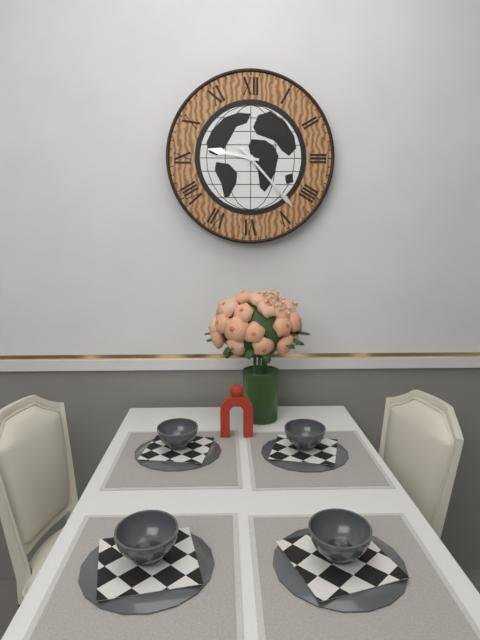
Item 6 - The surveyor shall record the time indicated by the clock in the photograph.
9:23
